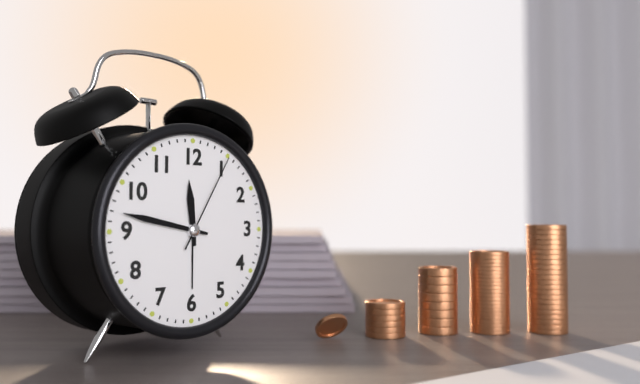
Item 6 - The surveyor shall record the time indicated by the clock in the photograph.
11:47:05
